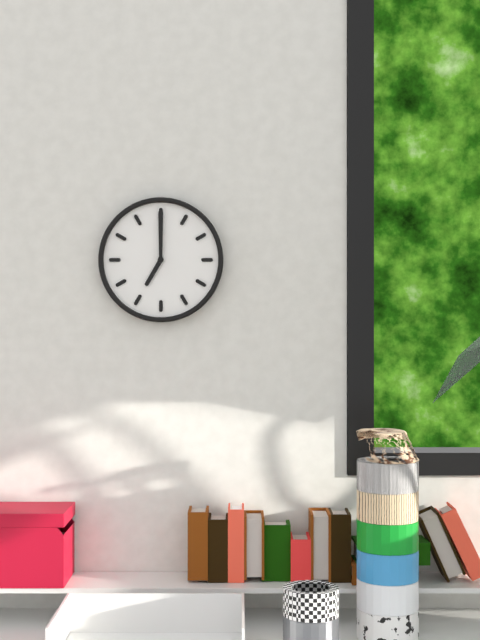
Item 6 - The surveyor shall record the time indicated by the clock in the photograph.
7:00
